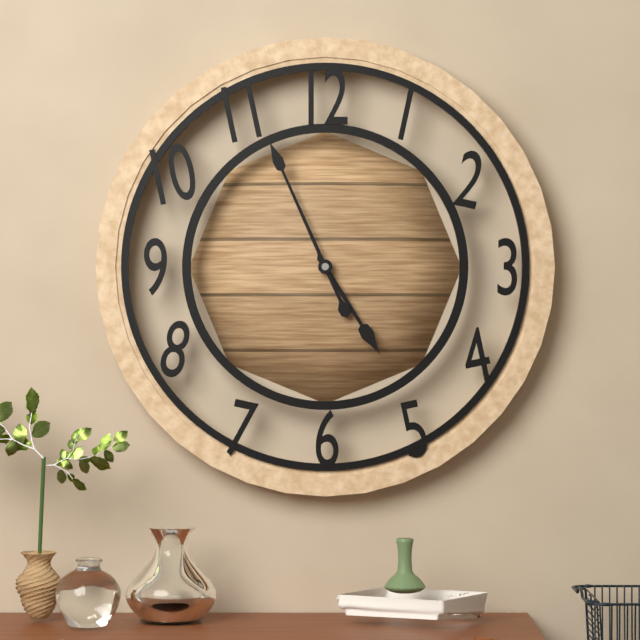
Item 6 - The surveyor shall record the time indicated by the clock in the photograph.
4:56
